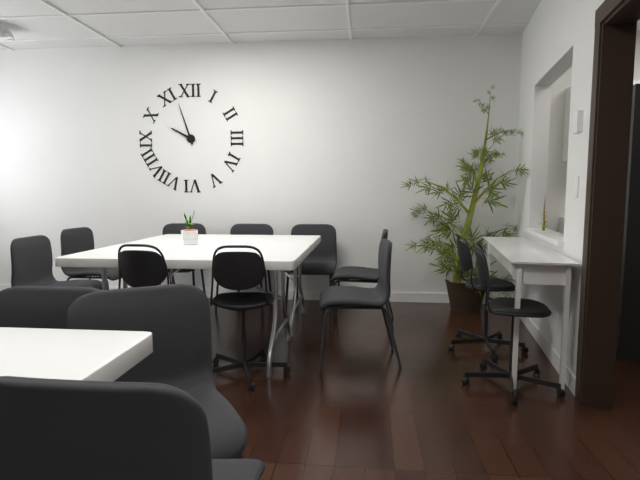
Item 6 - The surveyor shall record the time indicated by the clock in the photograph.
9:57
